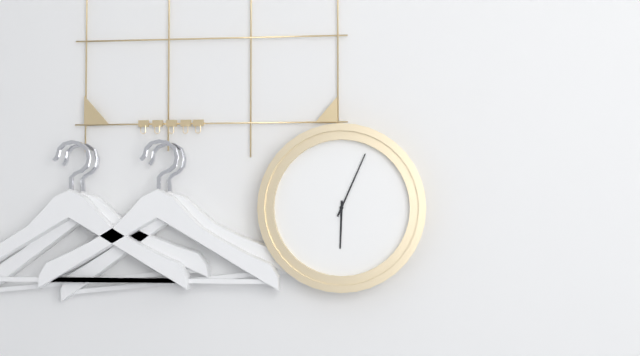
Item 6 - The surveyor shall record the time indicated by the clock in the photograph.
6:04
